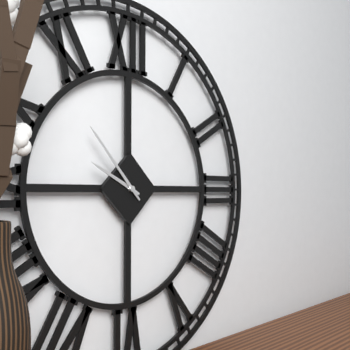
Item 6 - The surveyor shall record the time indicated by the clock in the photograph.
9:53
